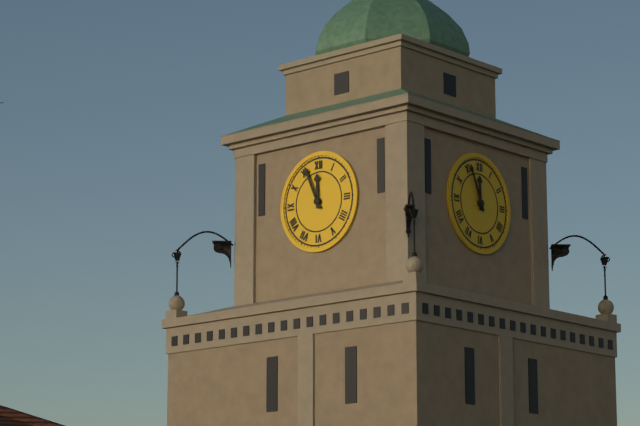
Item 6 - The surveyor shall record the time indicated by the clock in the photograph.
11:56
